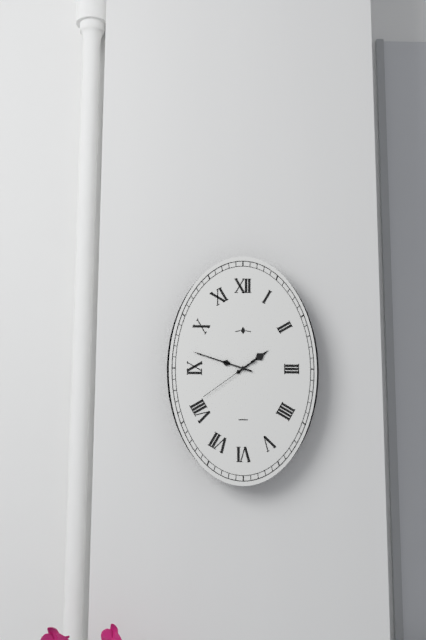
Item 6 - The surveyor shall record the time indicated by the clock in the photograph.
1:48:39
